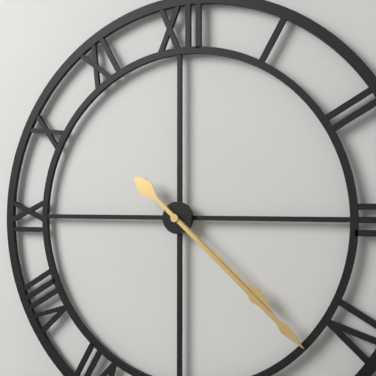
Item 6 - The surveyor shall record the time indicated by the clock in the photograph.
4:22
